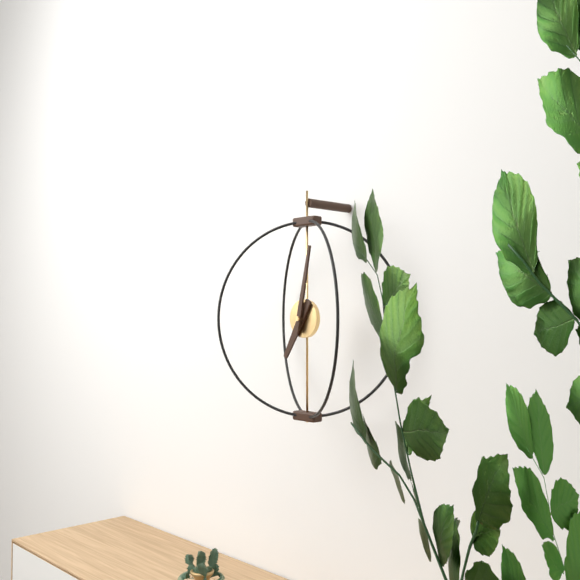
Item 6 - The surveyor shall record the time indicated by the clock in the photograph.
7:02
